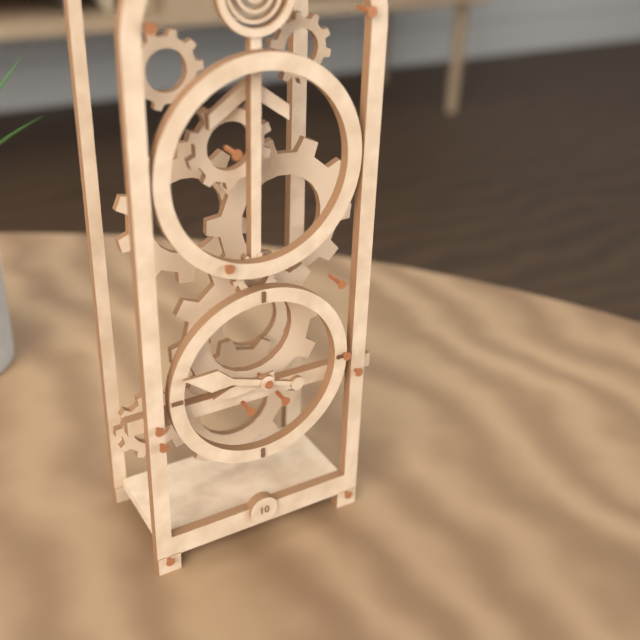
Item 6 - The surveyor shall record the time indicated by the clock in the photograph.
8:48
